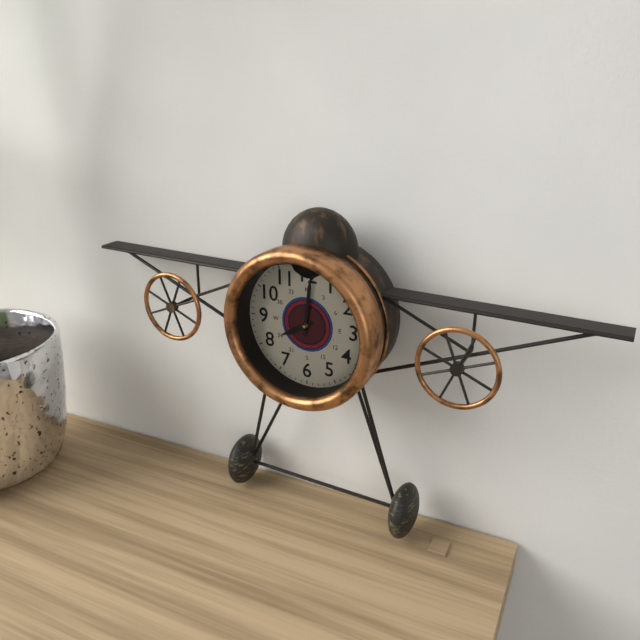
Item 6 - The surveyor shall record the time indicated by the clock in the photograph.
8:01
